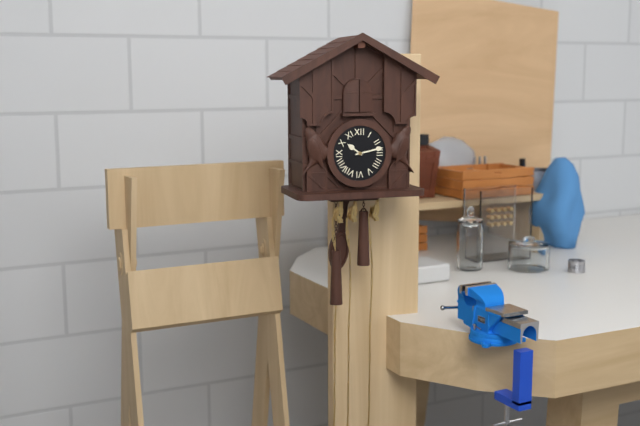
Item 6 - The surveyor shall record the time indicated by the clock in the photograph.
10:13
